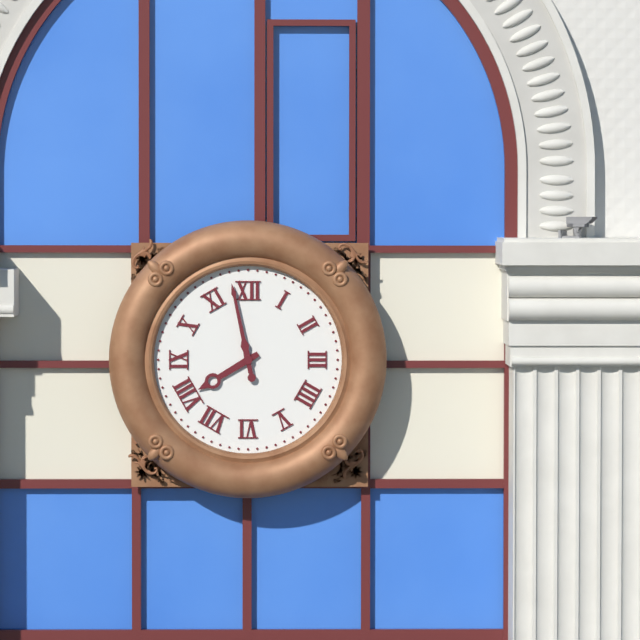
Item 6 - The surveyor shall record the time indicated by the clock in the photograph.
7:58
